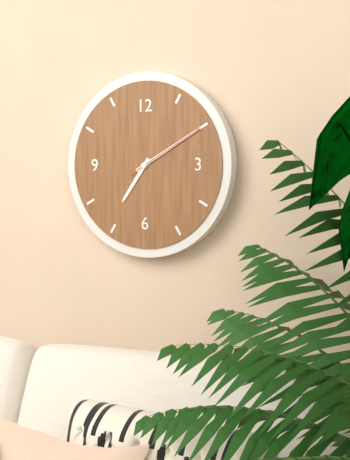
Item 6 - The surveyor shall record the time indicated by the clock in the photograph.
7:10:10
